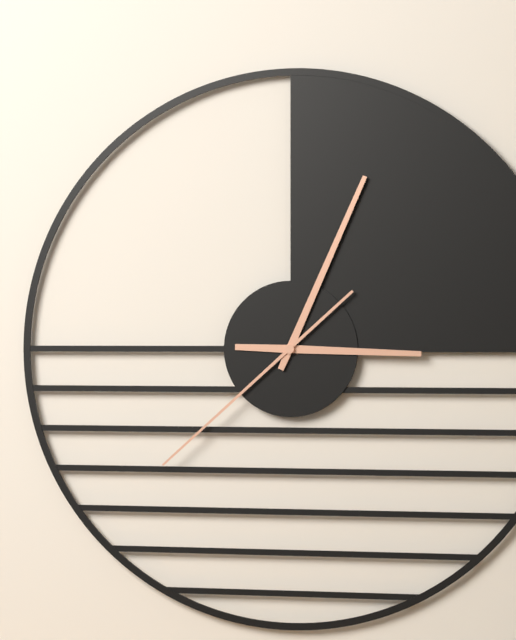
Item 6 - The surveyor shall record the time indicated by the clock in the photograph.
3:04:38
